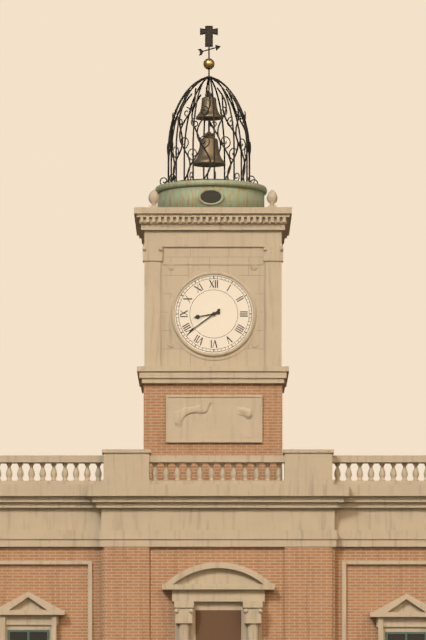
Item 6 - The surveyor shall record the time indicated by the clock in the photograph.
8:39
